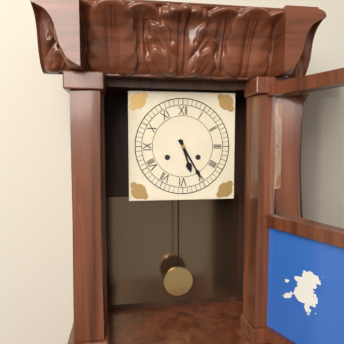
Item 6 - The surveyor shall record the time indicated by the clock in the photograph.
5:25
